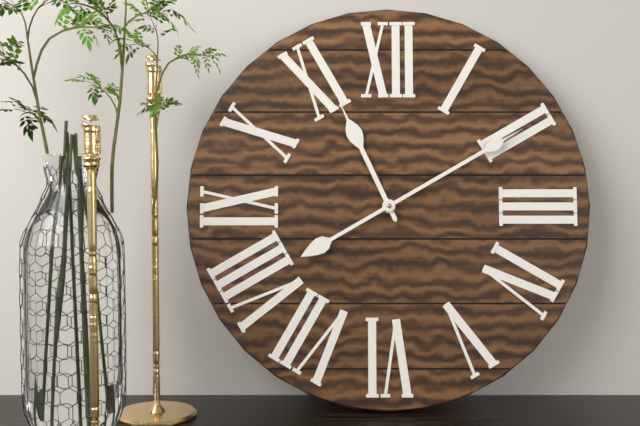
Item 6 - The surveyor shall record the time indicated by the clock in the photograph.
11:10
